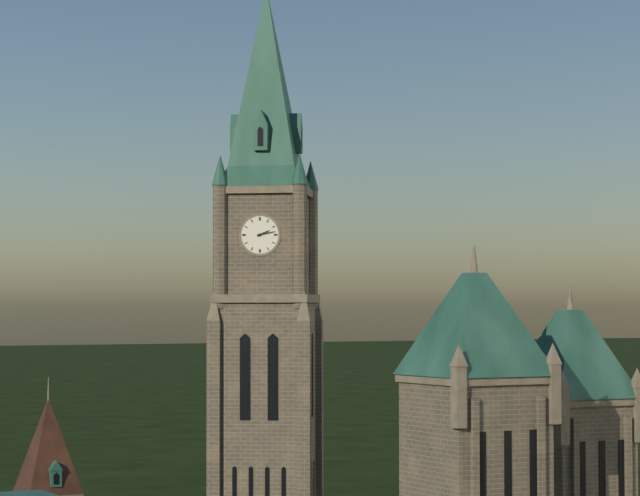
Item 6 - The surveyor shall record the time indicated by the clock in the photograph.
2:13
